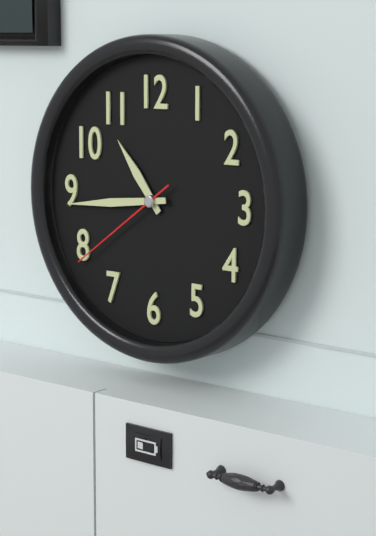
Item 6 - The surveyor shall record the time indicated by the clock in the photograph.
10:44:39
